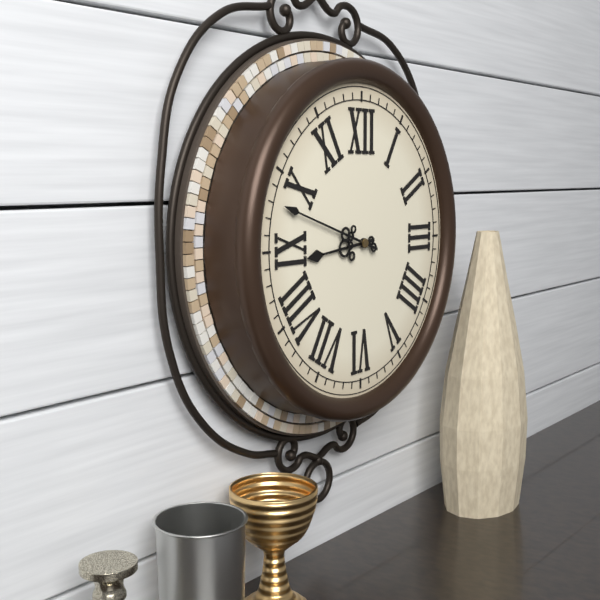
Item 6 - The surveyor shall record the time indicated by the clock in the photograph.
8:48
